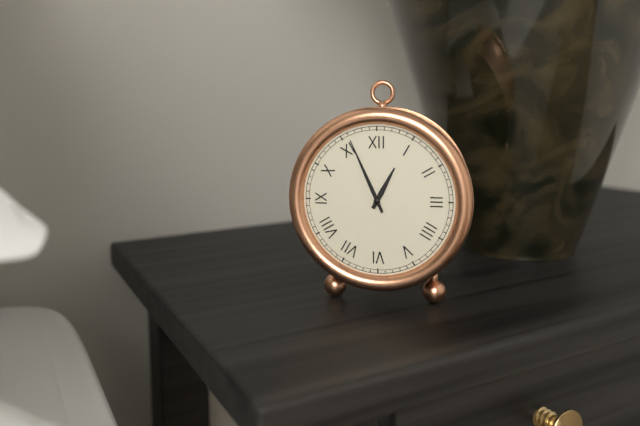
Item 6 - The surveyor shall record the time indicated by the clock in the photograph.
12:56
